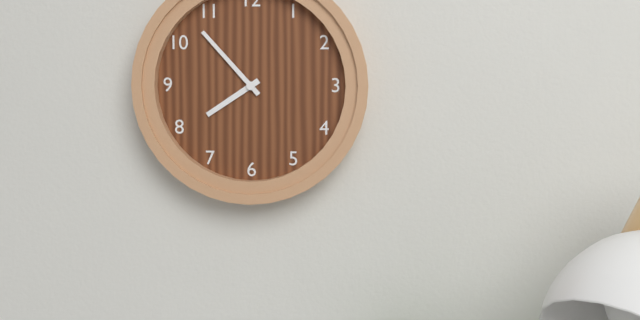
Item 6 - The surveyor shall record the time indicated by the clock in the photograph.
7:53
